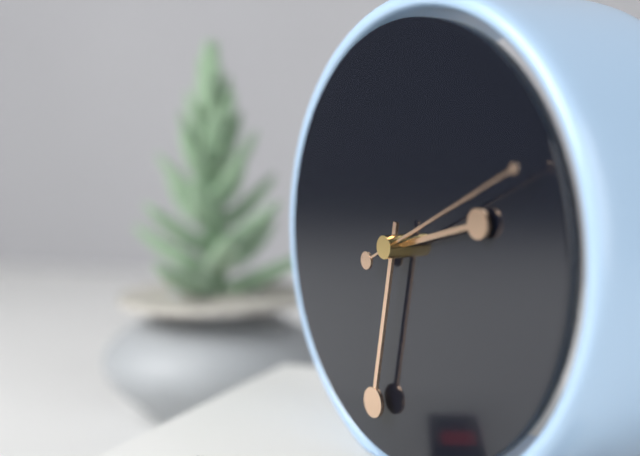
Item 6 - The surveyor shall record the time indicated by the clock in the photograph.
2:32:11
